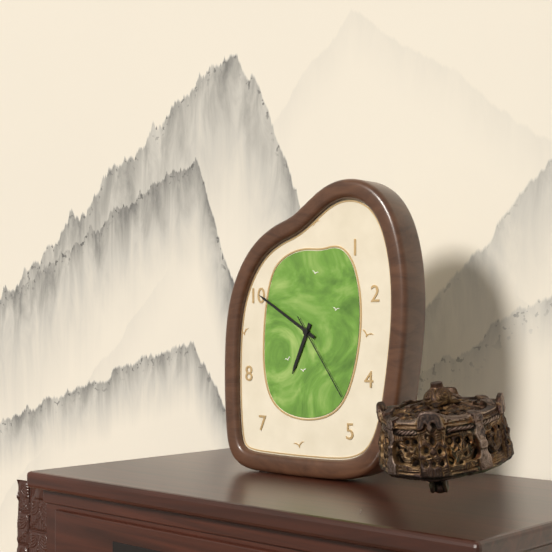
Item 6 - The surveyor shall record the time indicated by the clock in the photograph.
6:50:24
